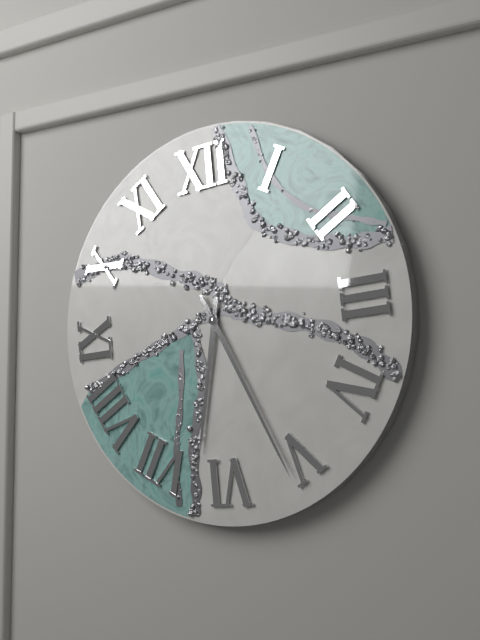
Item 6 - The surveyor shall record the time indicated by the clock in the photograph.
6:26
